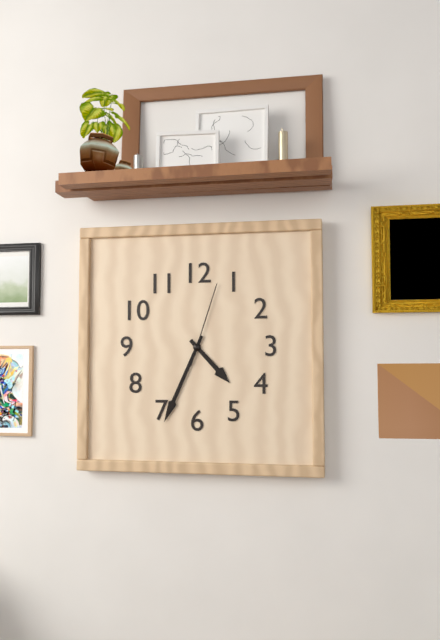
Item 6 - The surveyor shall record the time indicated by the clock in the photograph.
4:34:03
